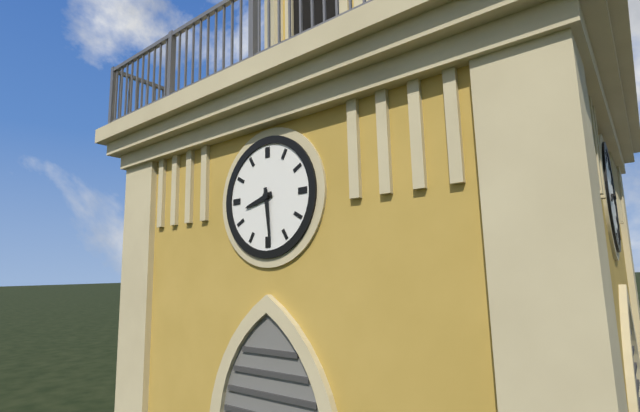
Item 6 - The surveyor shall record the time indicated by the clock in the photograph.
8:29
